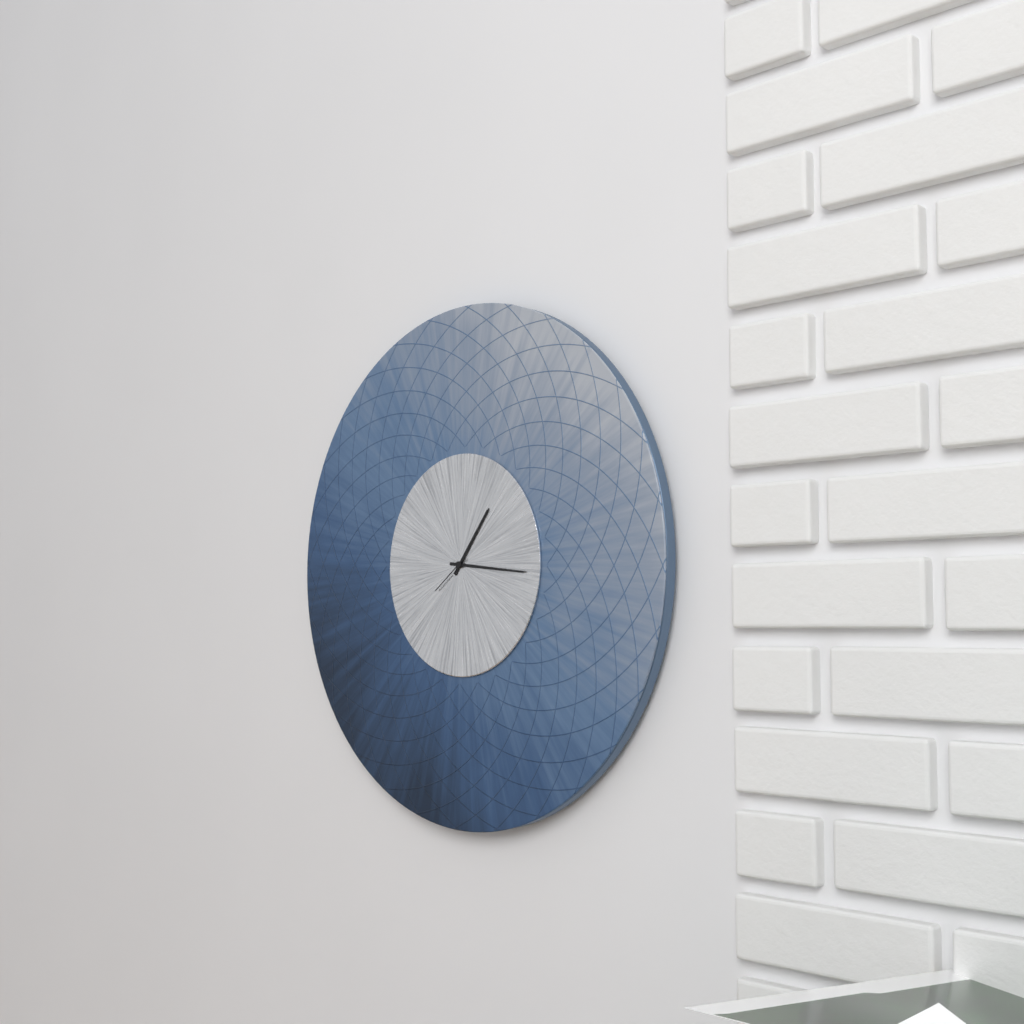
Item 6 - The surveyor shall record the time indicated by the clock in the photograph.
1:16
